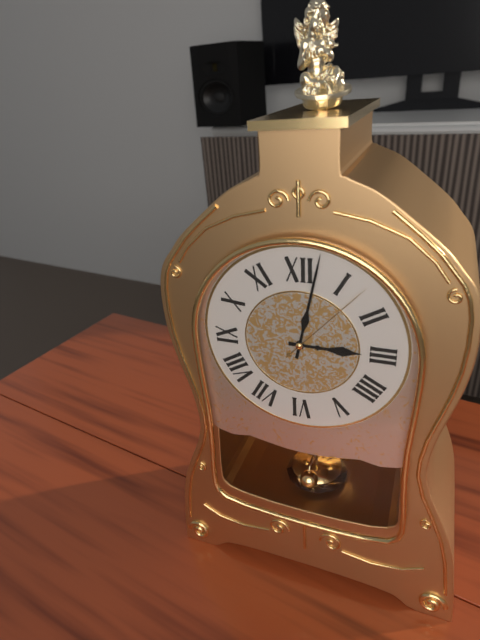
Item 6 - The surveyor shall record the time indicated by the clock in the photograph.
3:02:07
